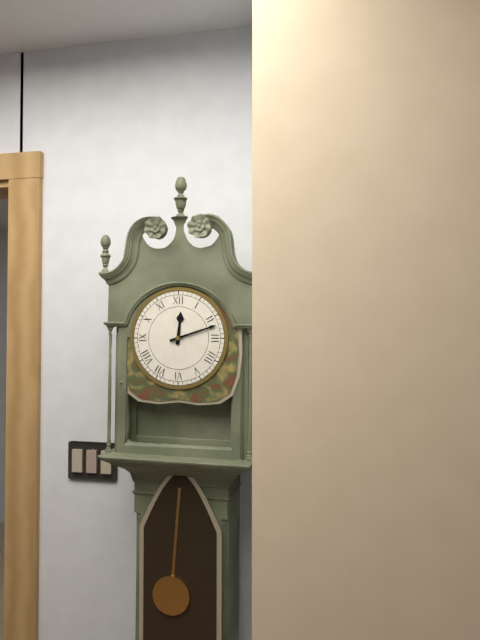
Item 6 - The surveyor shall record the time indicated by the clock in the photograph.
12:12
